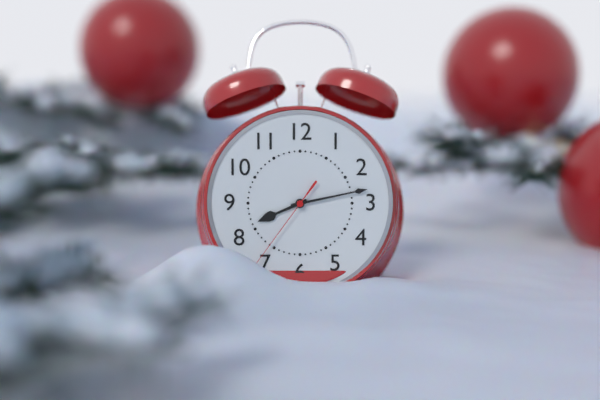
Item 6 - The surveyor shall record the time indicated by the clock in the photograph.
8:13:36
